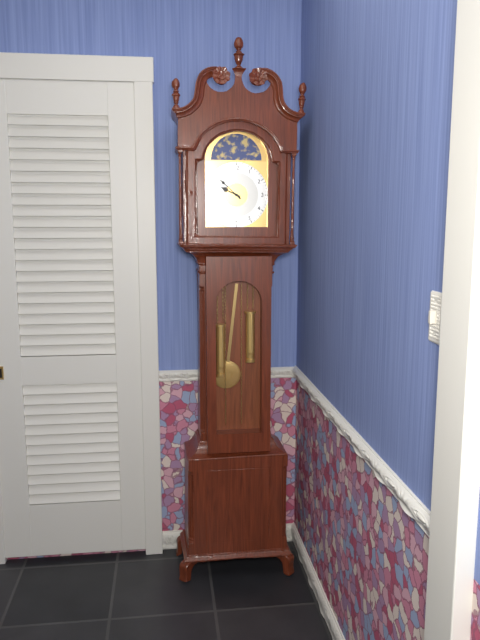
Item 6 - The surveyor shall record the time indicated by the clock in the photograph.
9:52
